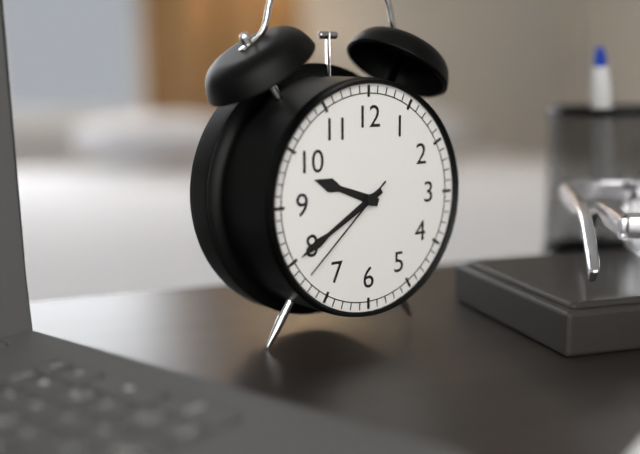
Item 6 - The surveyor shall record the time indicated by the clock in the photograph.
9:40:38
